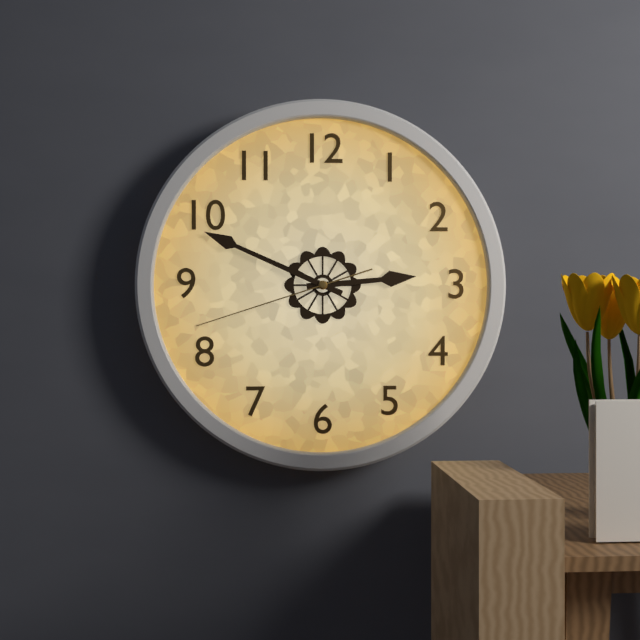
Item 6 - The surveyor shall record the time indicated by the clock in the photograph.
2:49:42
